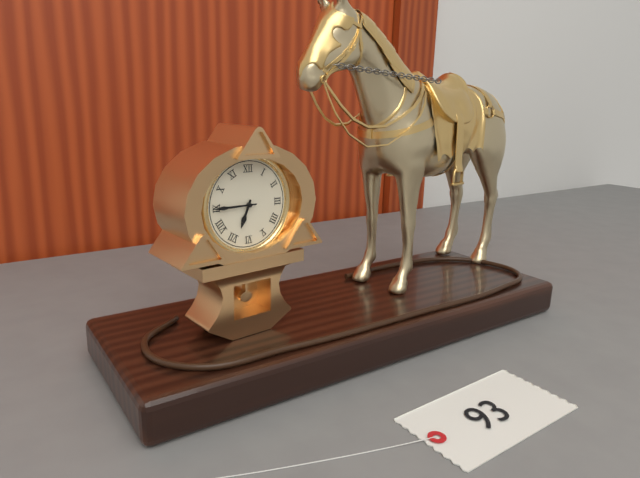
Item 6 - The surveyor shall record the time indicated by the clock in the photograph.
6:45
